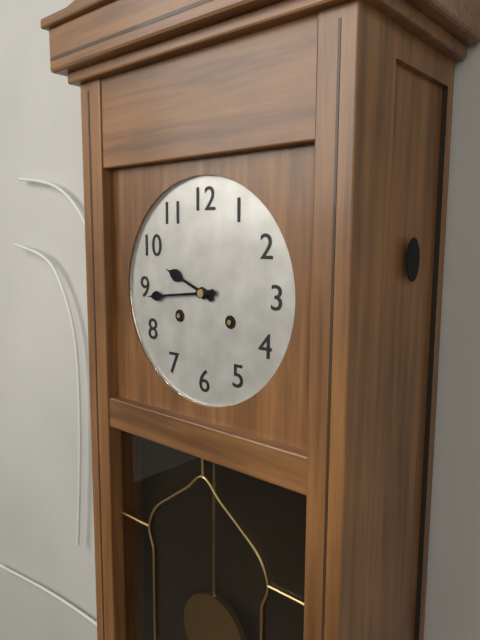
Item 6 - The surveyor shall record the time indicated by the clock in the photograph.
9:44
